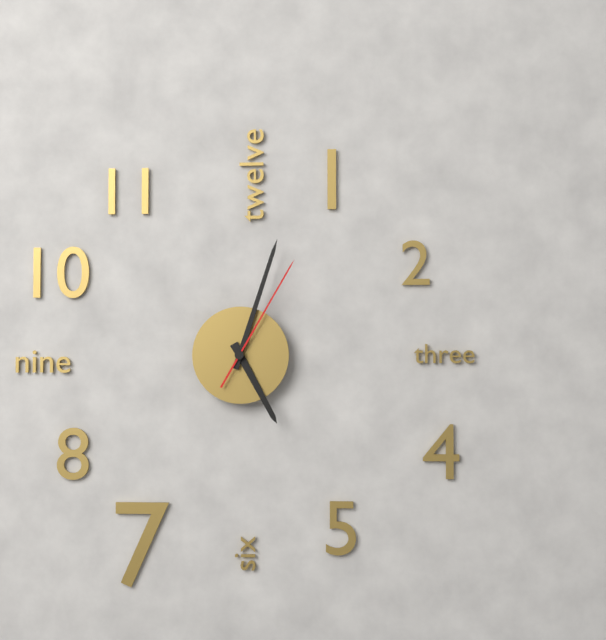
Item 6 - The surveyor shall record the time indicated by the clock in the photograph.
5:03:05
